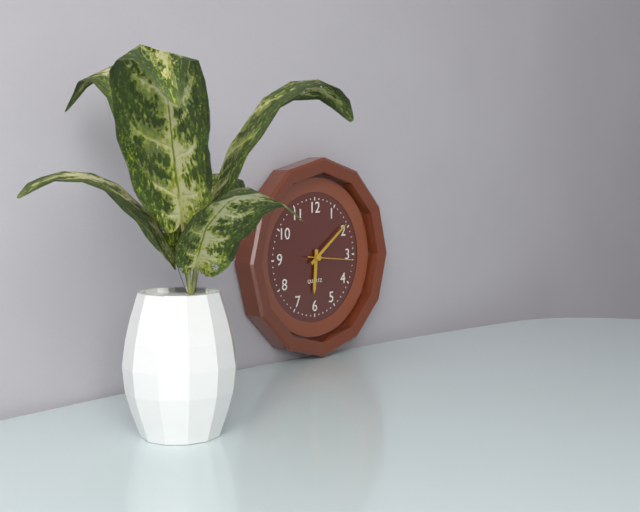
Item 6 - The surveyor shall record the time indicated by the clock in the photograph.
6:09
